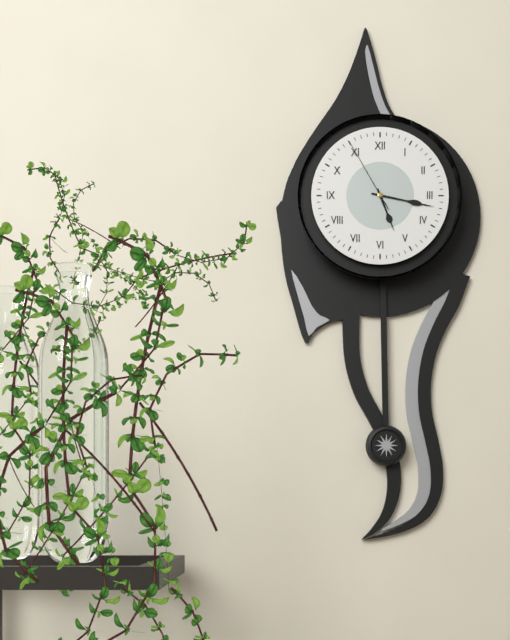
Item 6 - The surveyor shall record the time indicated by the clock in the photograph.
5:17:55
